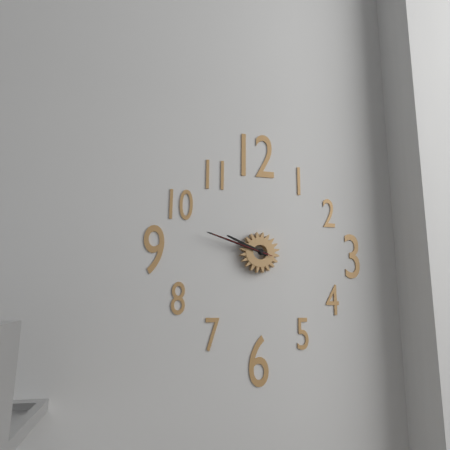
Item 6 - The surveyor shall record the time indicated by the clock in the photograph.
9:48:48
